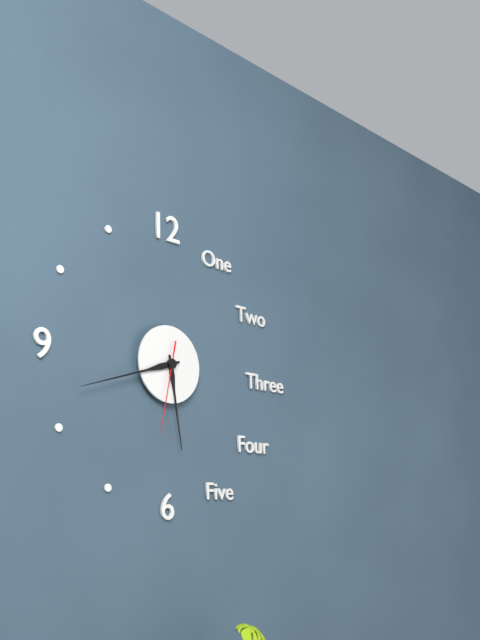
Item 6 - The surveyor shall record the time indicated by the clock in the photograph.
5:42:32
